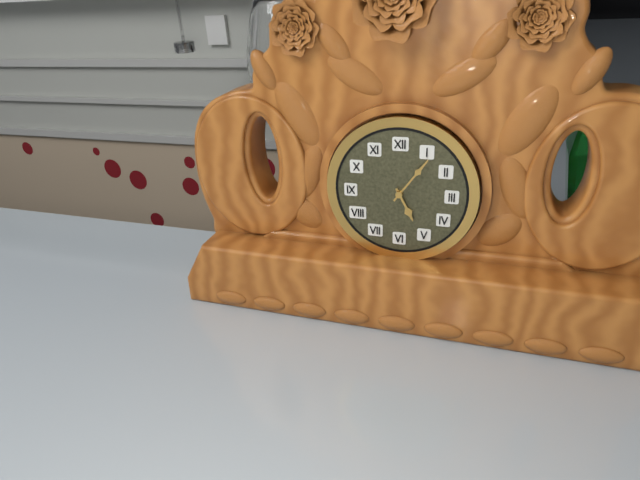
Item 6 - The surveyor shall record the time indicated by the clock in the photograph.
5:06
